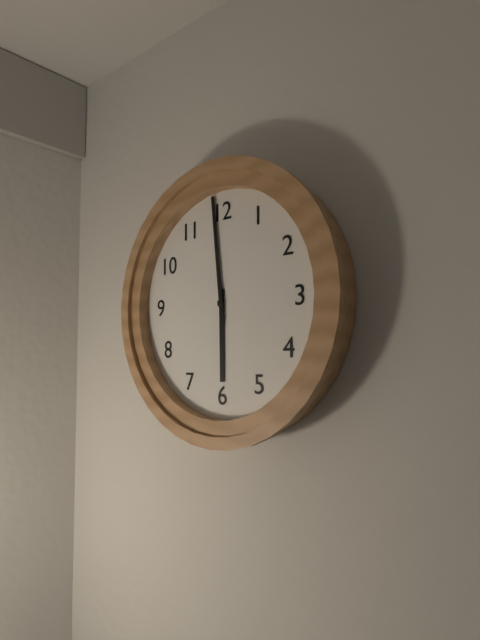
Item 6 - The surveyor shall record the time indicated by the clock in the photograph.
5:59
